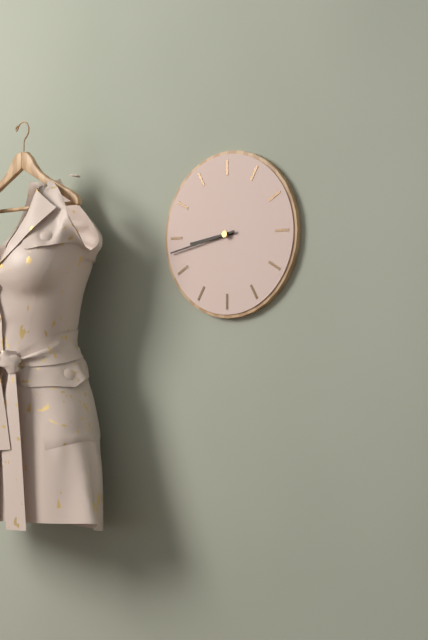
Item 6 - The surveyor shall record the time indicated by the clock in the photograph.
8:43
